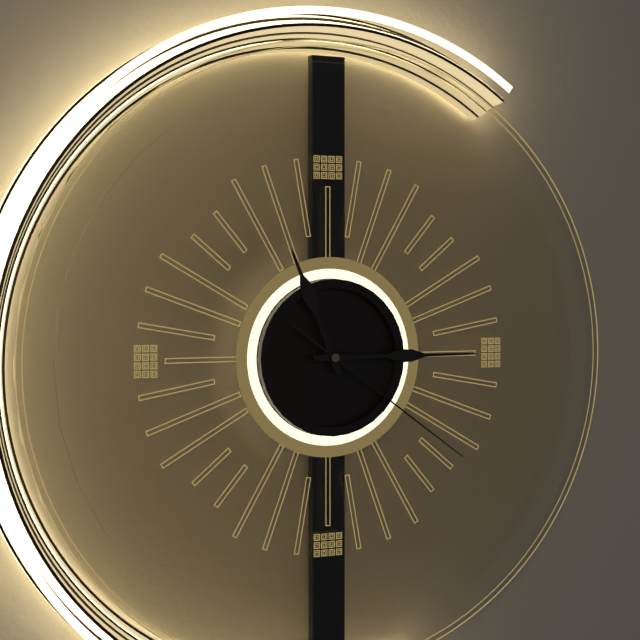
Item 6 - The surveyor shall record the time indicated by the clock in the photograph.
11:15:21
